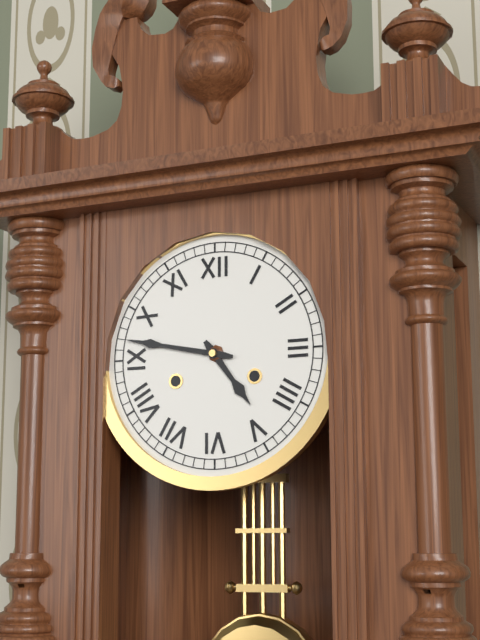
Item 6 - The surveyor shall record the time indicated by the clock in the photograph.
4:47
